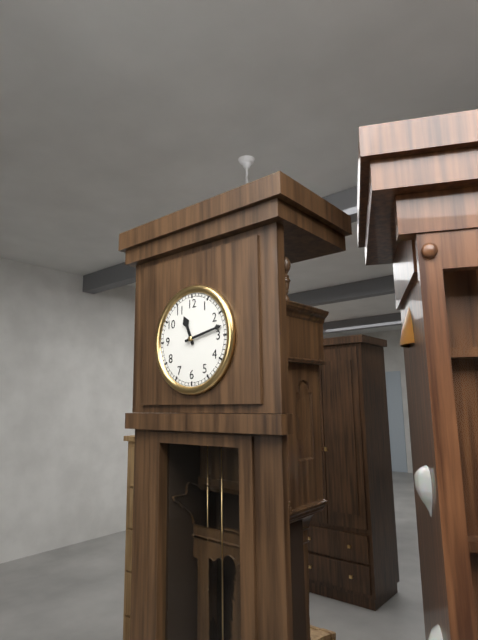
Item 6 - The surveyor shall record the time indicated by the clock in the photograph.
11:13
